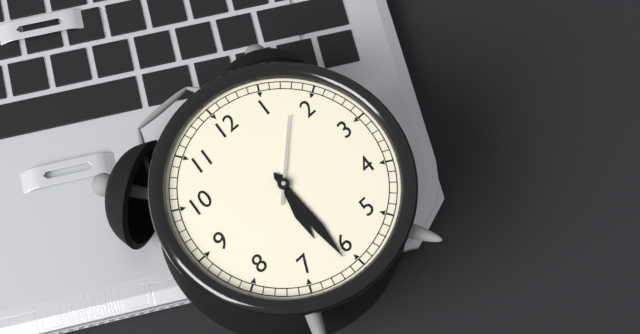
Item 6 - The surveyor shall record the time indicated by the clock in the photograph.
6:31:08
